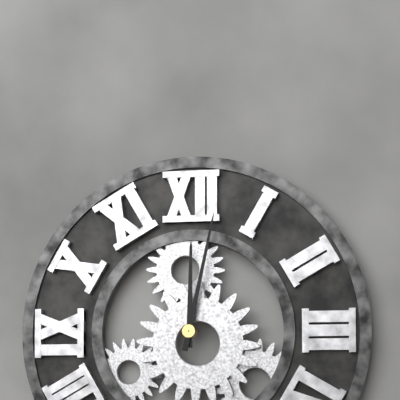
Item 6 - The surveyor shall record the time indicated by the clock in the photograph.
12:02
